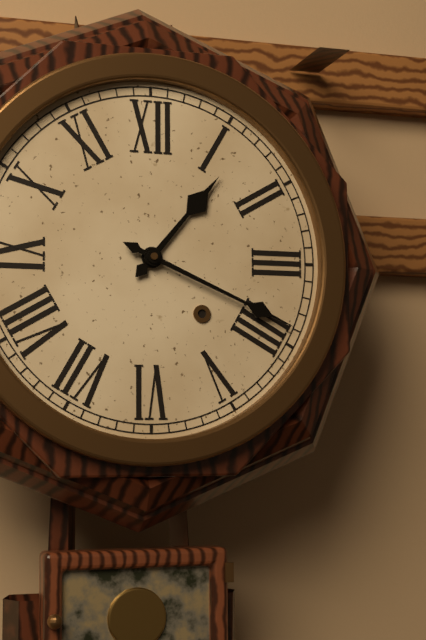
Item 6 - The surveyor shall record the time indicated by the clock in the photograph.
1:19
